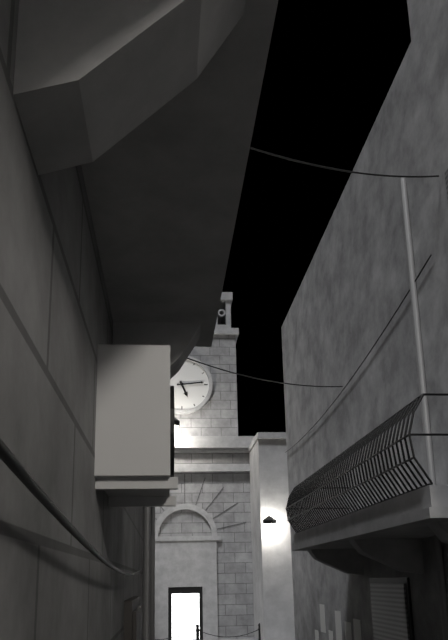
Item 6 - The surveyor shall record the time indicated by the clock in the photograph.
5:14
